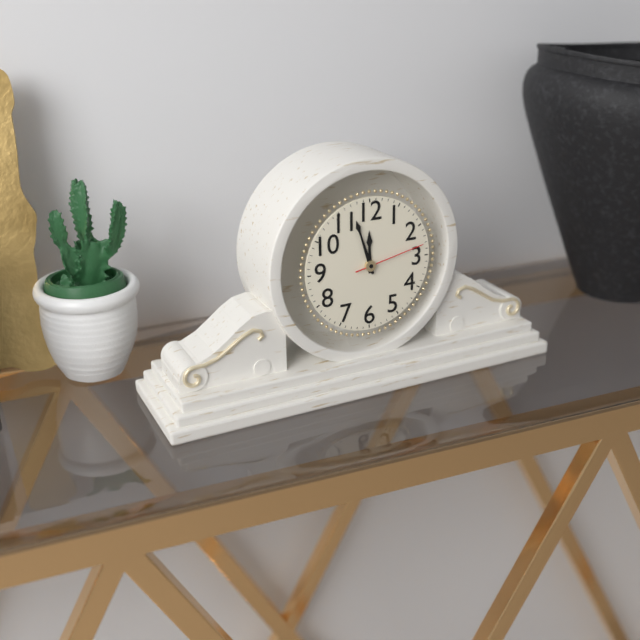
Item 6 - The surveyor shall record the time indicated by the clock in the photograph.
11:57:13
